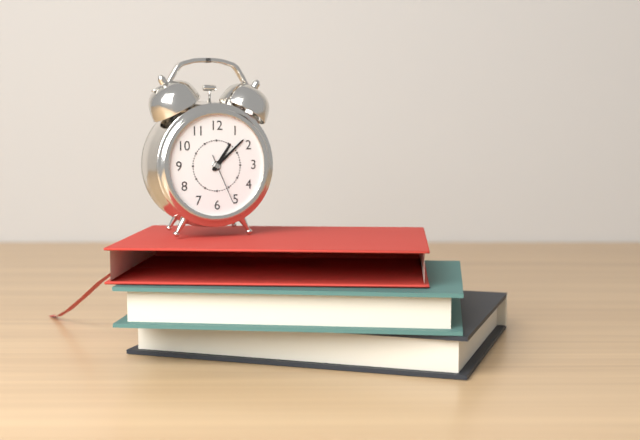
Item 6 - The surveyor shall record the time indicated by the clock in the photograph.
1:08:26
